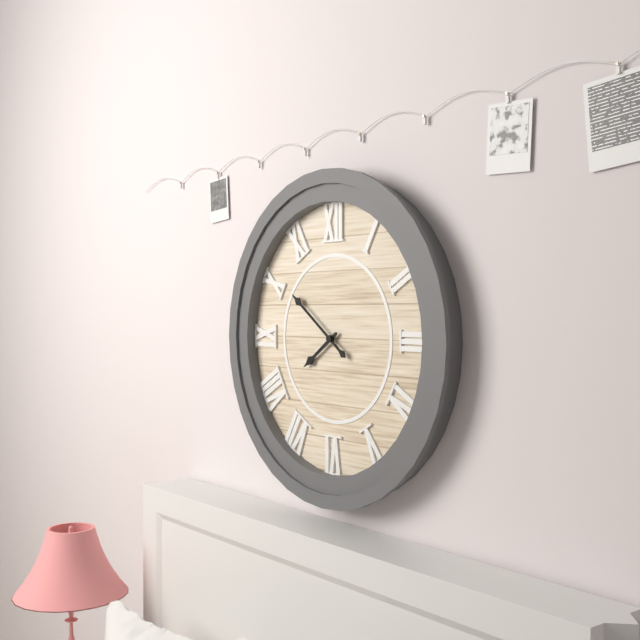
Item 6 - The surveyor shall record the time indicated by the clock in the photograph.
7:51
